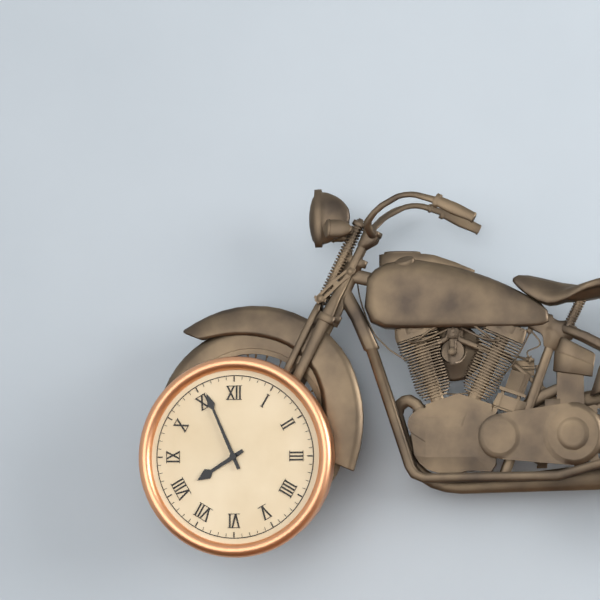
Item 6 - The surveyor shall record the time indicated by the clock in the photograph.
7:56
